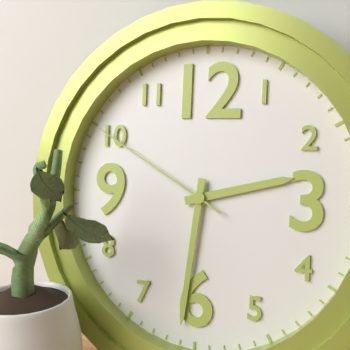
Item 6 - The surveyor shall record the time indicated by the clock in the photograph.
2:31:50
